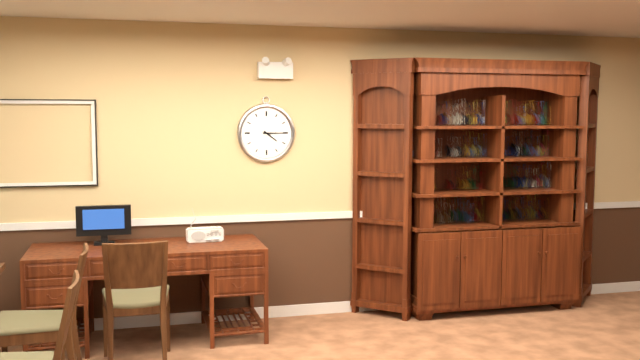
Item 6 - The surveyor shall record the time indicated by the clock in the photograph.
4:15
